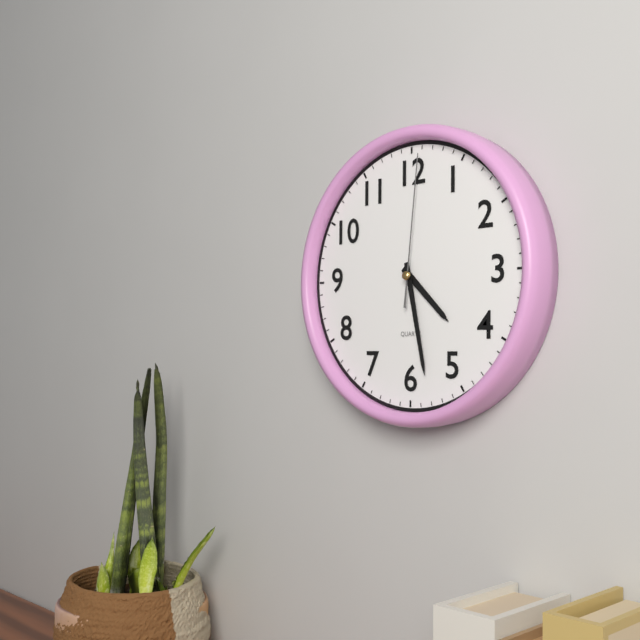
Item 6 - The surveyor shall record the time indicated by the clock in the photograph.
4:28:01
